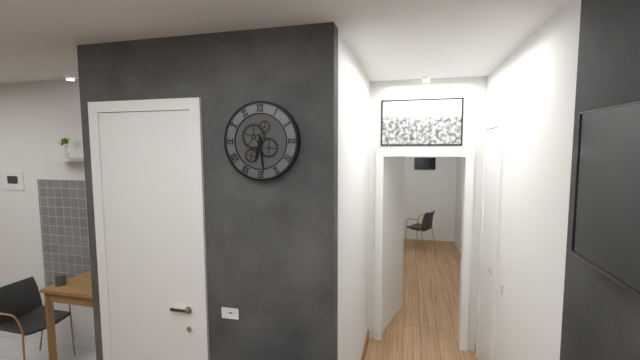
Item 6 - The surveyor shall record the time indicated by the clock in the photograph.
6:29
